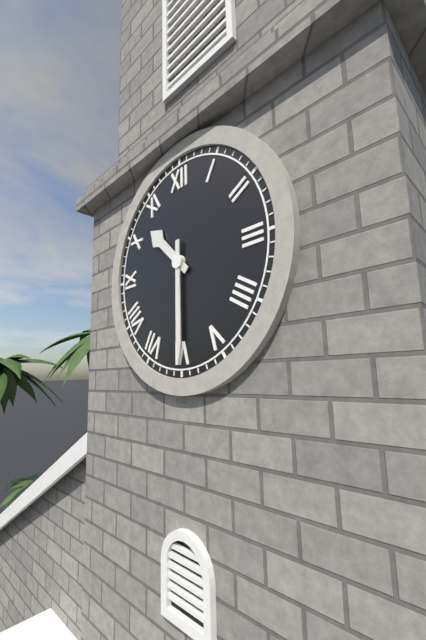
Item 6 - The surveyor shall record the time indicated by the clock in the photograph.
10:30
